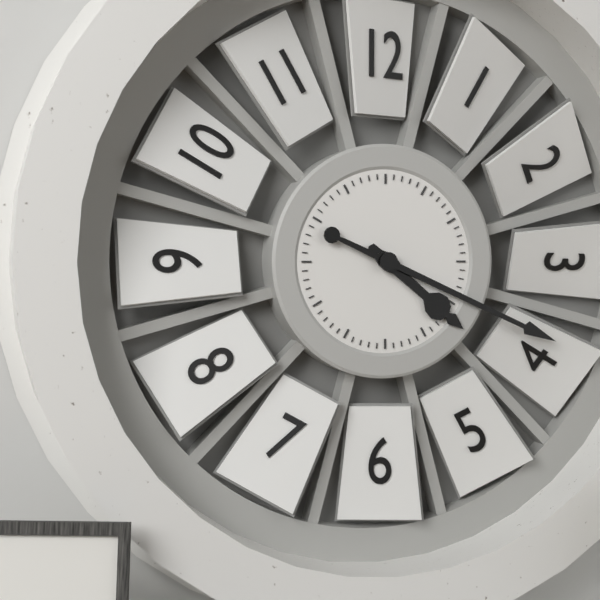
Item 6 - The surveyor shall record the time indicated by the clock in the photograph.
4:19
